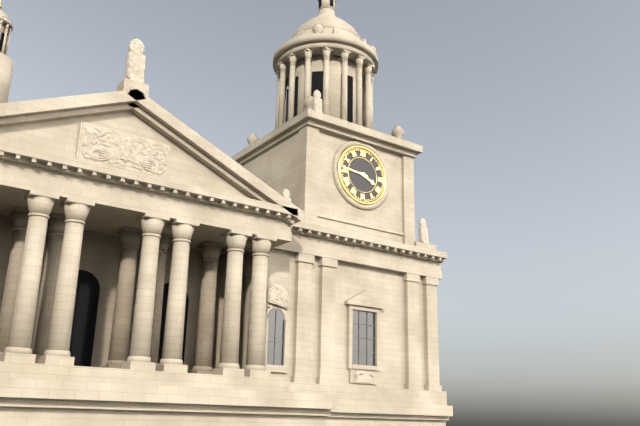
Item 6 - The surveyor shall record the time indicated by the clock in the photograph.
3:46
